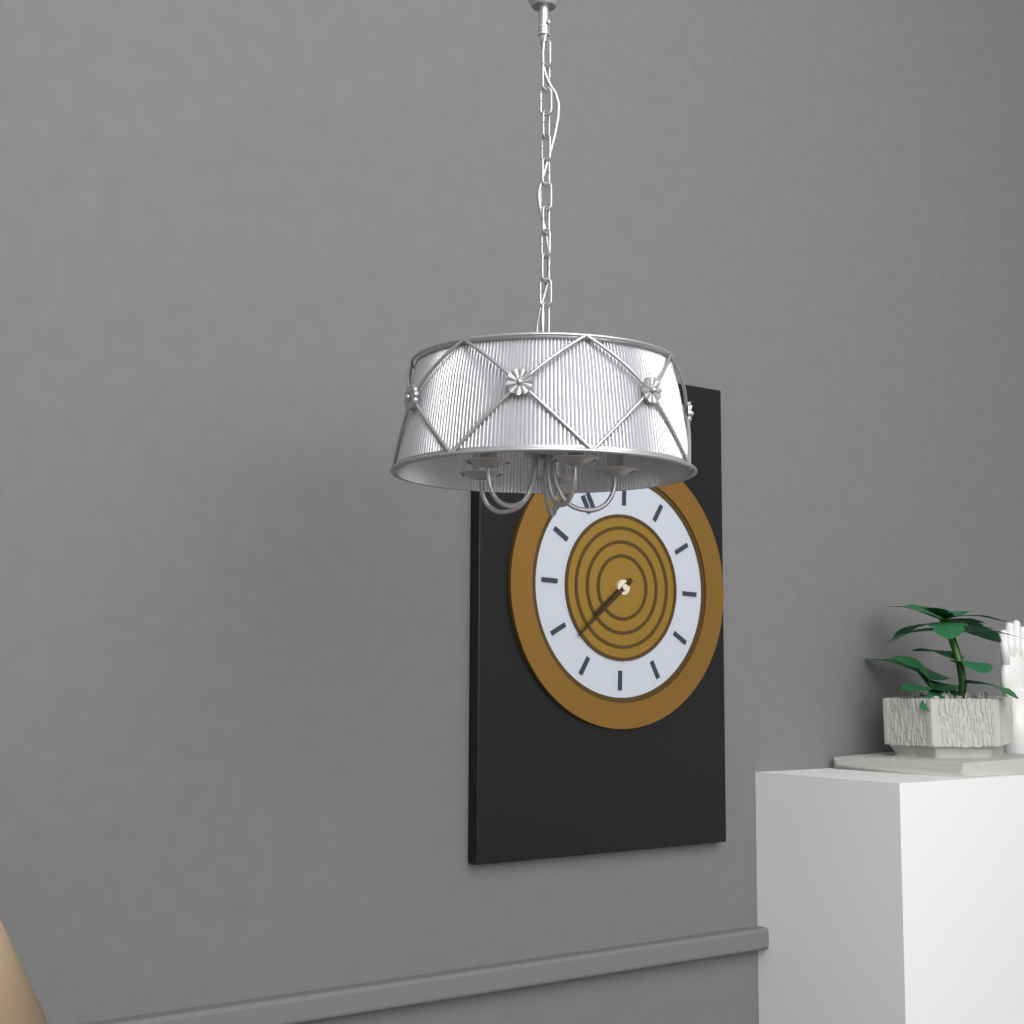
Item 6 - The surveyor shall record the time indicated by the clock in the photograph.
8:43
